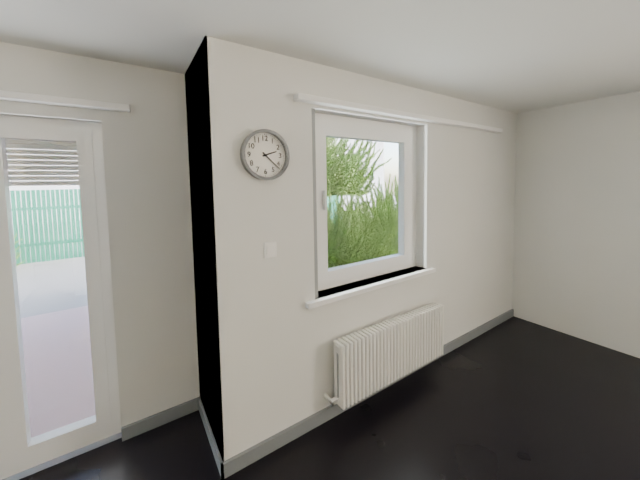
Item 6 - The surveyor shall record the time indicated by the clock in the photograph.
2:22
